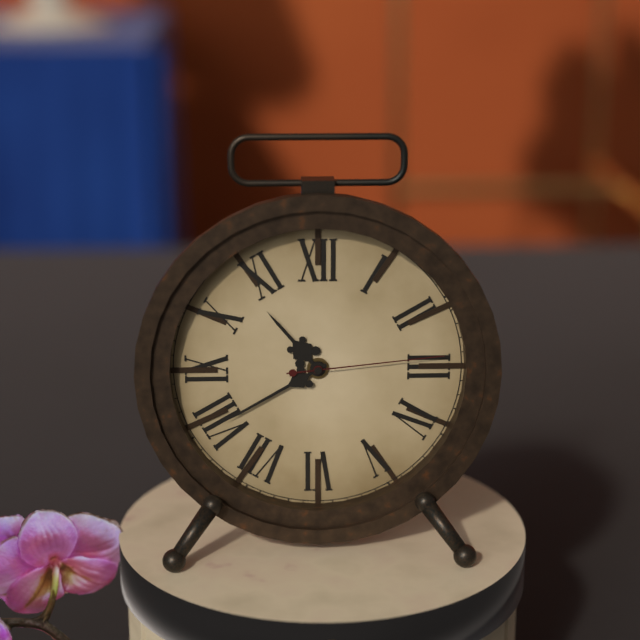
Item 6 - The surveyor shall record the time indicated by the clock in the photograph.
10:40:14
